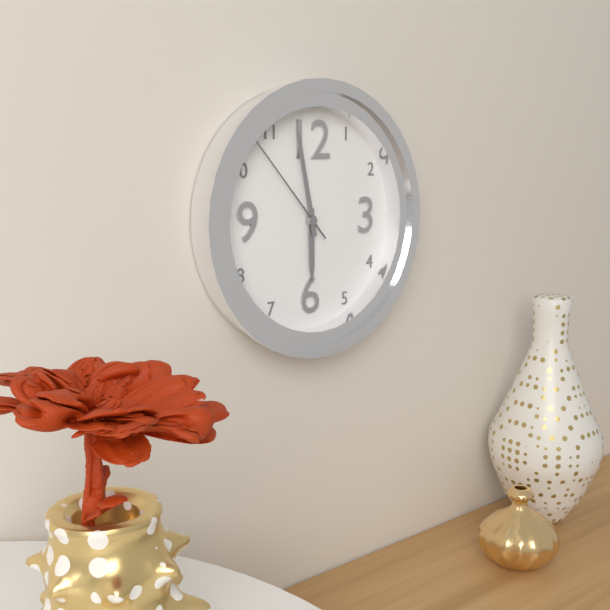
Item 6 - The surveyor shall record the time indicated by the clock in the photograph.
5:58:53
